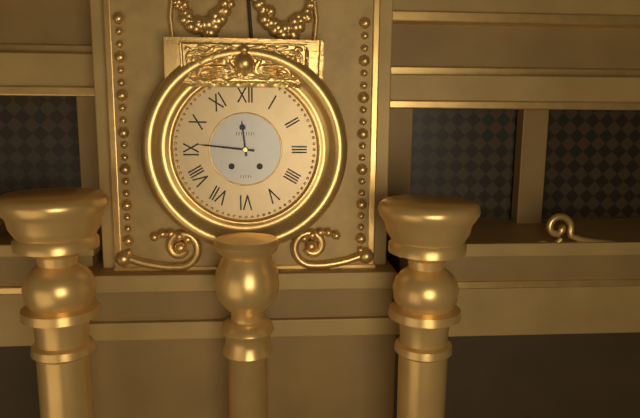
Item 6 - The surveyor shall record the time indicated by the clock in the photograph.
11:46
